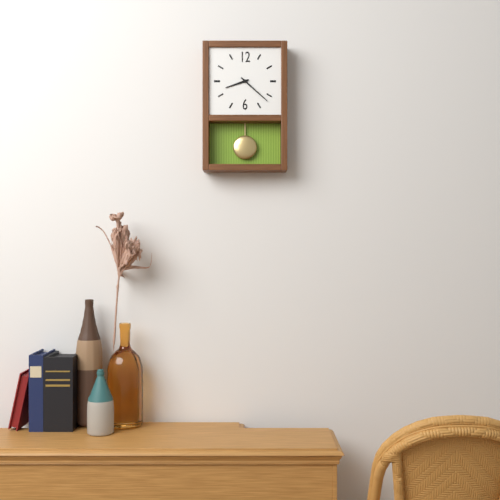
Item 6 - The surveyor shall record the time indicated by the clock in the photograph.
8:22
